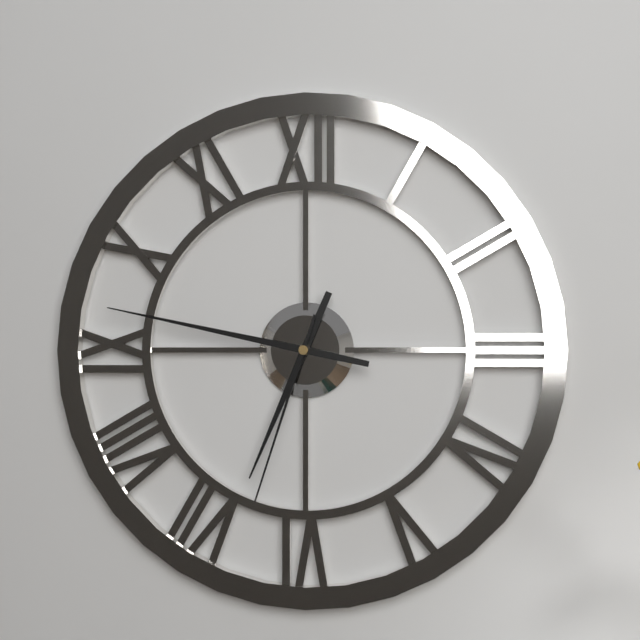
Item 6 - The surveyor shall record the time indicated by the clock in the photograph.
6:47:33
